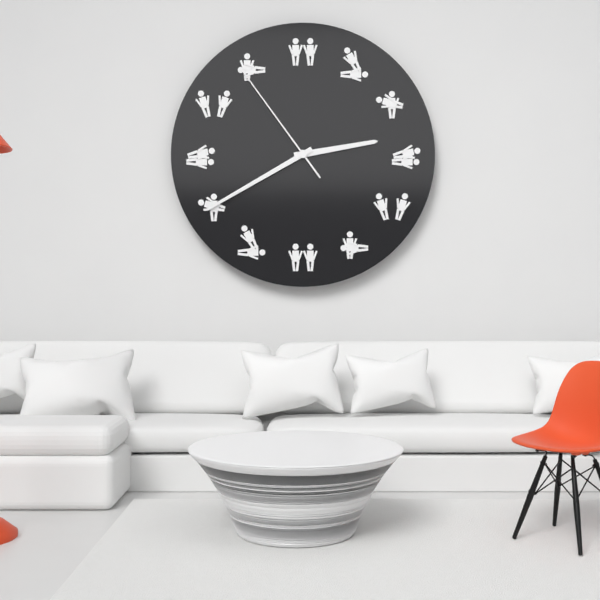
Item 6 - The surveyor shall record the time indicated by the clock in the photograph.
2:40:54
